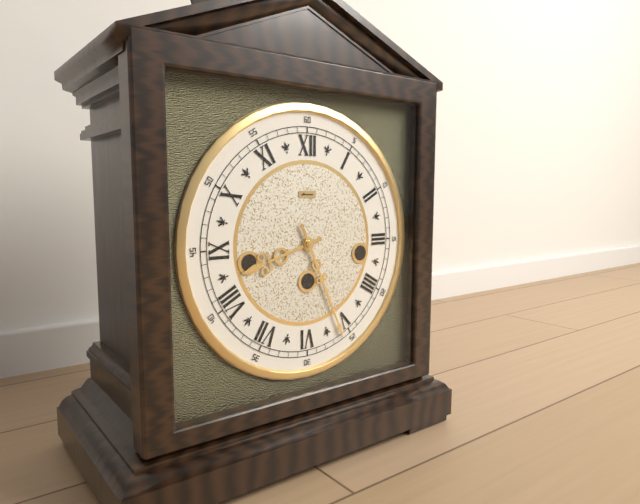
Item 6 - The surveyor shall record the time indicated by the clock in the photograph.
8:26
